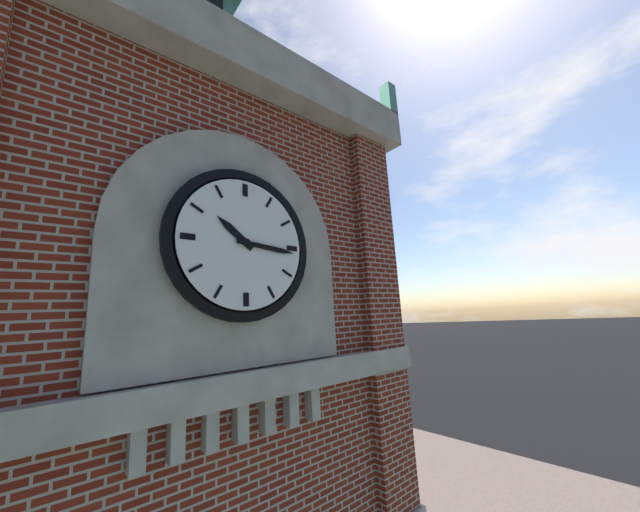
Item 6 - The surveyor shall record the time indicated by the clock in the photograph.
10:16
